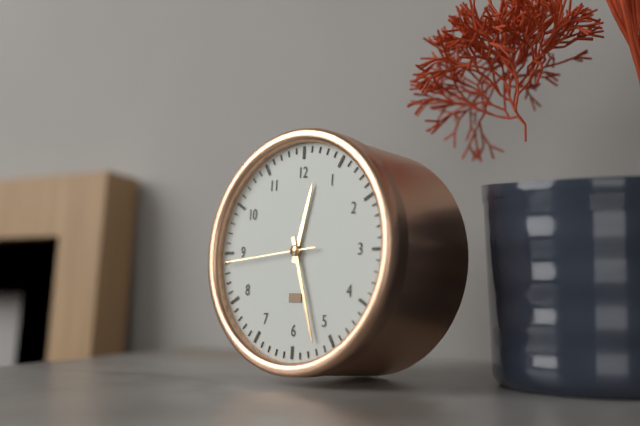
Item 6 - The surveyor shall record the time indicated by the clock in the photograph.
12:27:44
